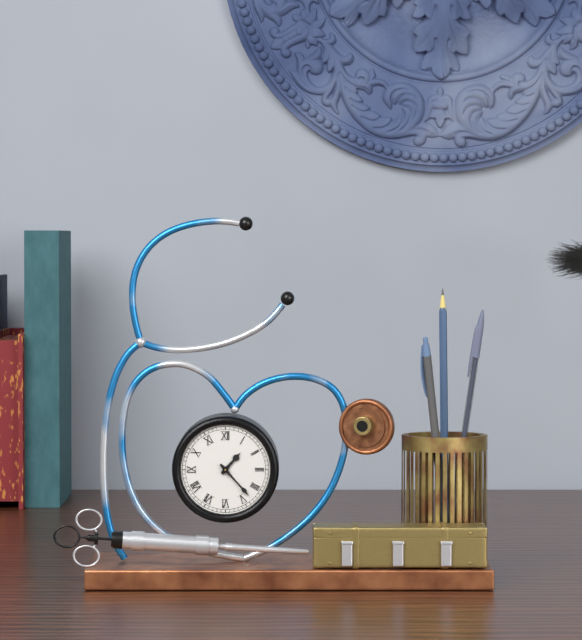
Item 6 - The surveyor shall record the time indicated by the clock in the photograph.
1:23
